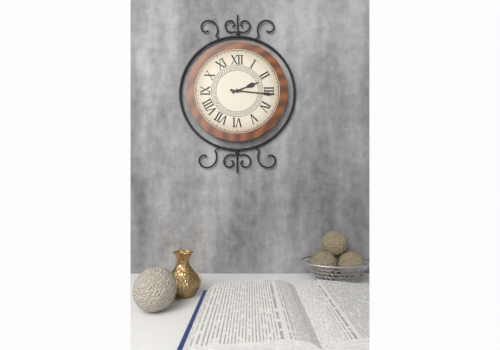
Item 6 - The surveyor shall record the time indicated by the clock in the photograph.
2:16
